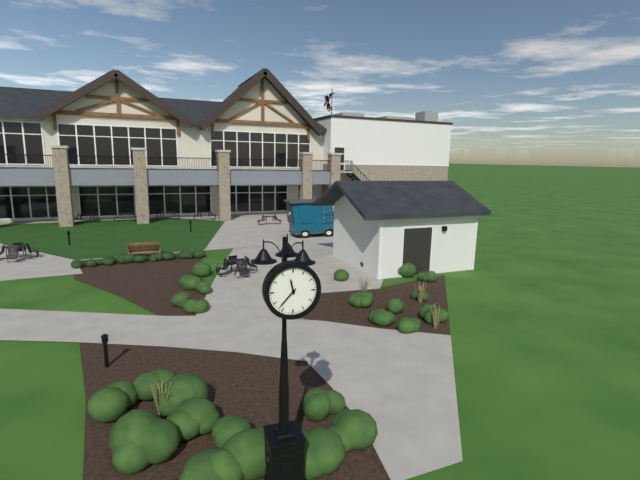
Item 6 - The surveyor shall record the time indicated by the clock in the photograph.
11:37
